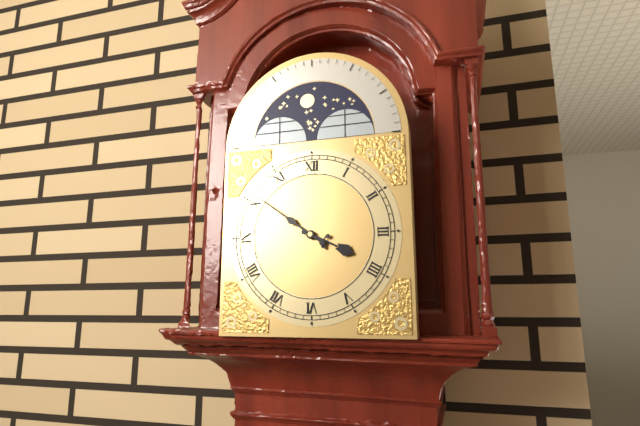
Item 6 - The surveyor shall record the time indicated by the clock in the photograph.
3:51
